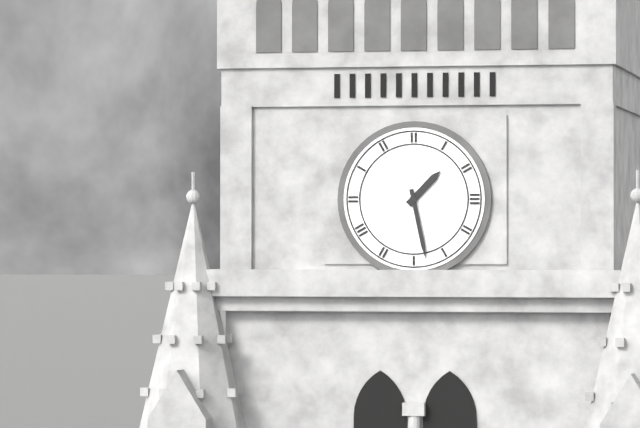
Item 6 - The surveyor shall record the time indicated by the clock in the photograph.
1:28
